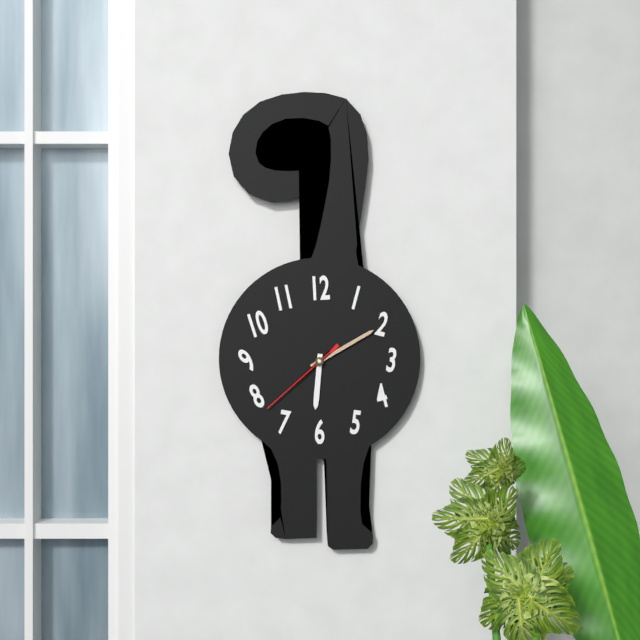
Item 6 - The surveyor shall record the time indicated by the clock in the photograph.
6:10:38
